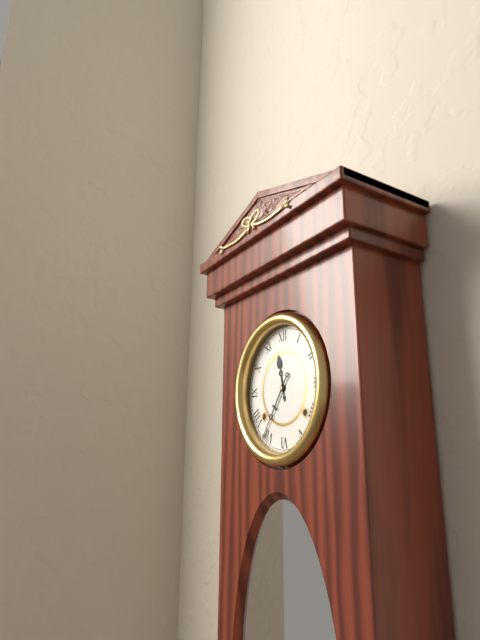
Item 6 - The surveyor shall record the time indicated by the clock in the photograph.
11:36
